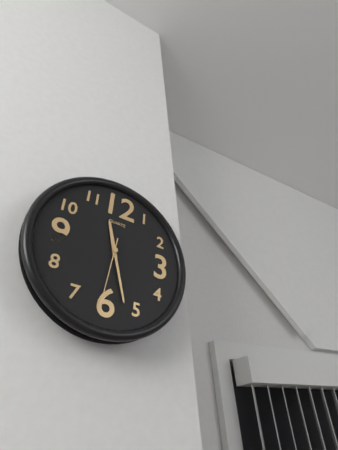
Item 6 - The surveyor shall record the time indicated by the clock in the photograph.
11:27:31
